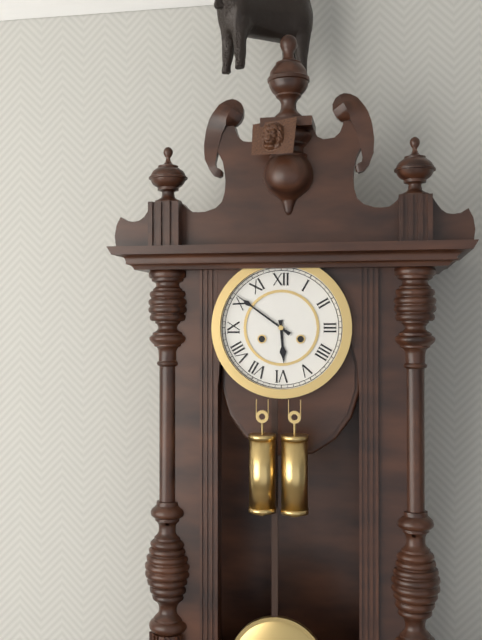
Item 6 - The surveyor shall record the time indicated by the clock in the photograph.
5:51
